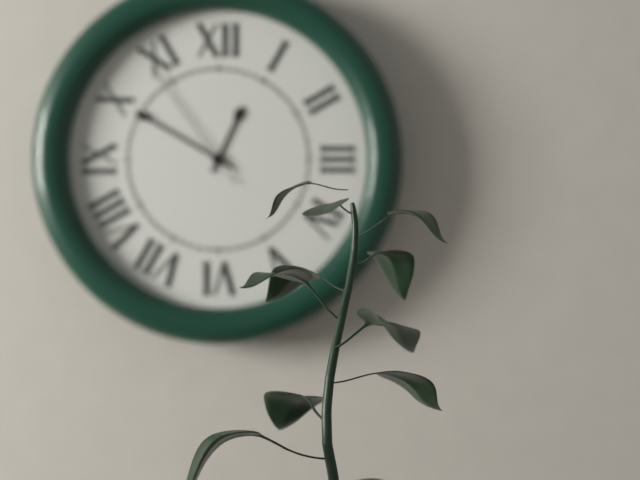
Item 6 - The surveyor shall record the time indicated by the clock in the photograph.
12:50:54
